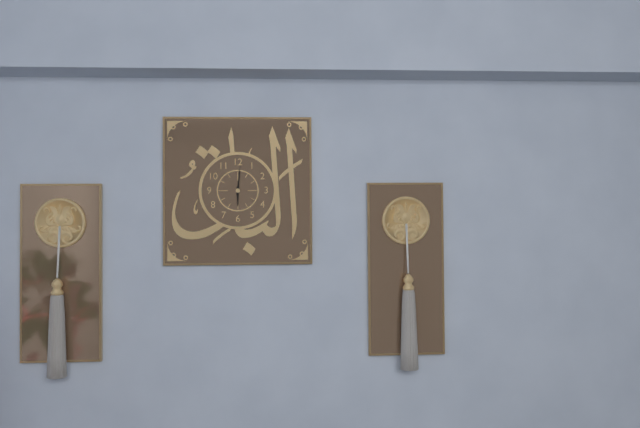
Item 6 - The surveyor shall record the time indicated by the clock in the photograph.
6:01
